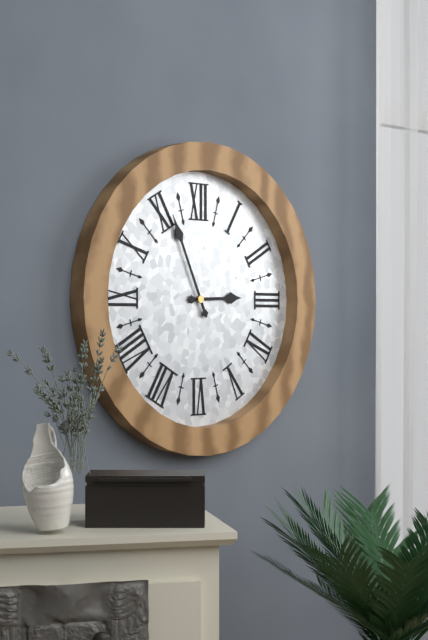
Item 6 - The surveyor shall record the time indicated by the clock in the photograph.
2:56
